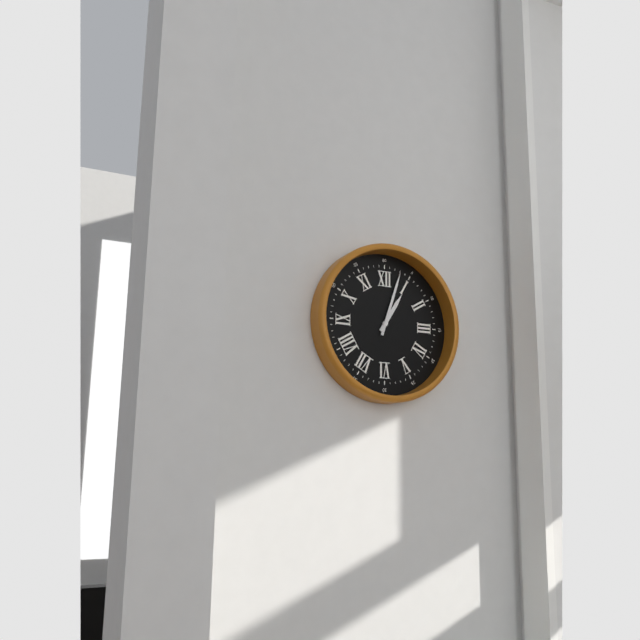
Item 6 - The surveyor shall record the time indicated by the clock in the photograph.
1:03
